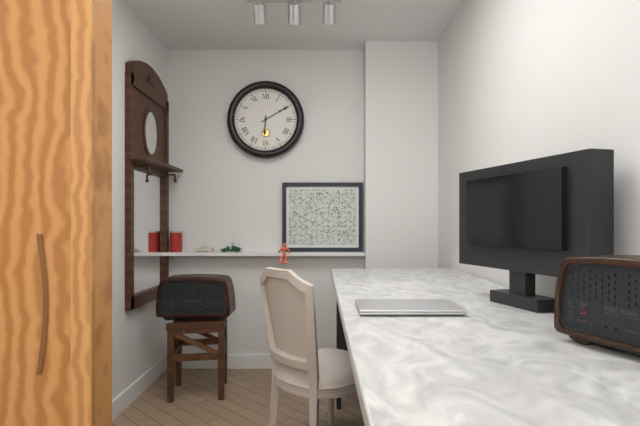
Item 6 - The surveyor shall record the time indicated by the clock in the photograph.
6:10
